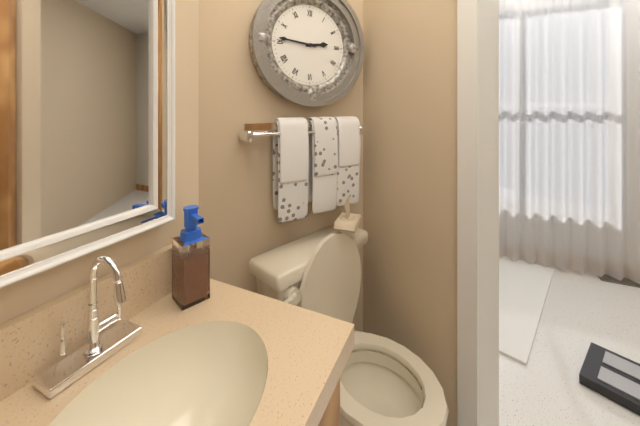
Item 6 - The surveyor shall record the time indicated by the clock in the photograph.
2:46
